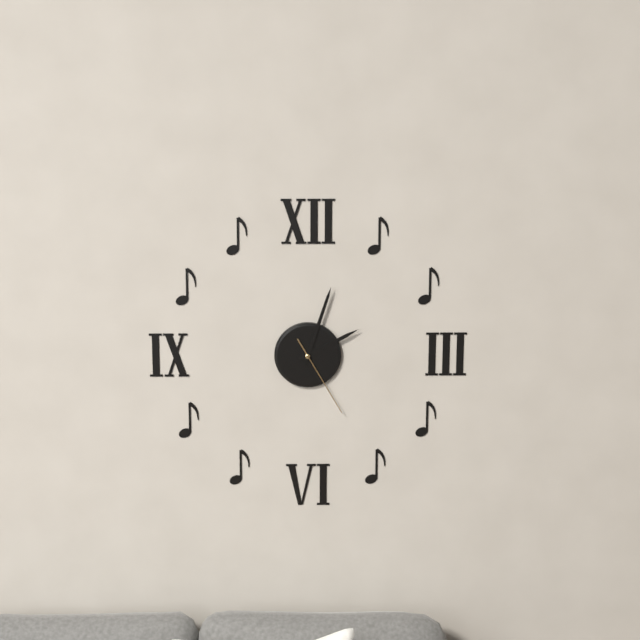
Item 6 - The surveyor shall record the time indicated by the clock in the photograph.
2:03:25
